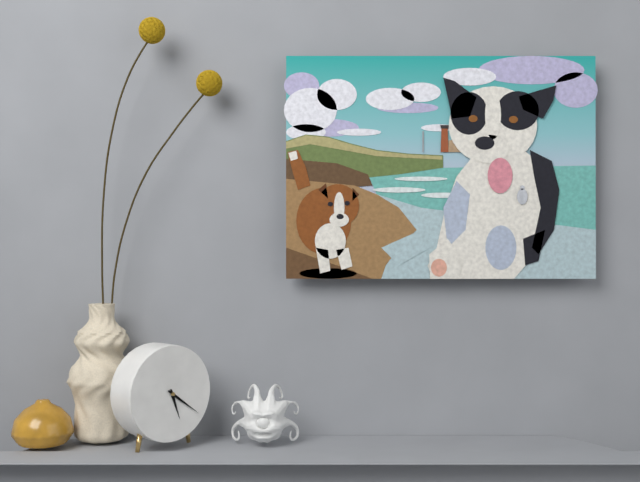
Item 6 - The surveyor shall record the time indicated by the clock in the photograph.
5:21
